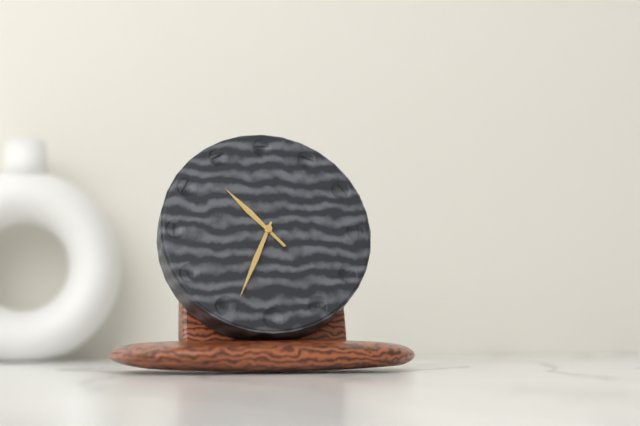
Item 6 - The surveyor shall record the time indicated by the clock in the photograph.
10:34
